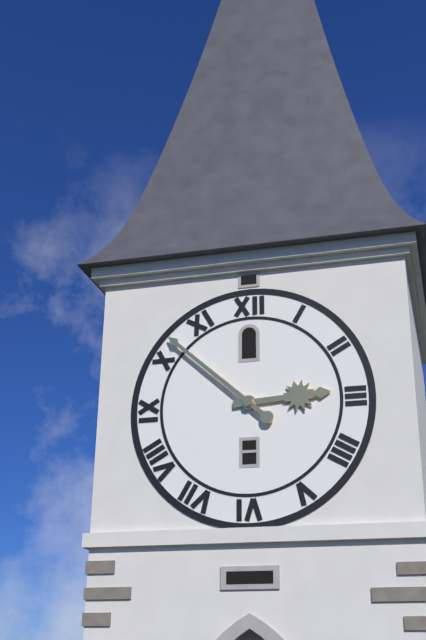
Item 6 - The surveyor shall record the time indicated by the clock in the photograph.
2:52
